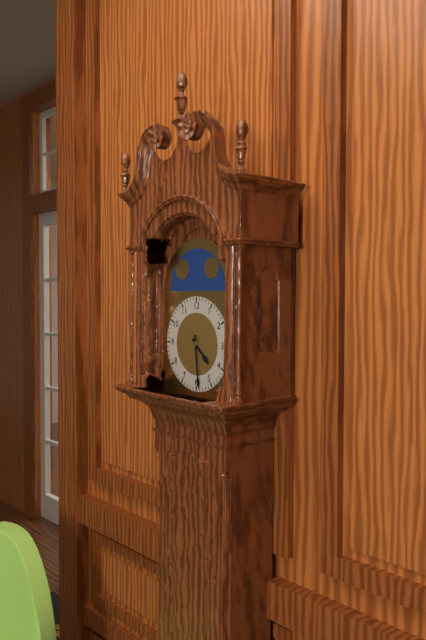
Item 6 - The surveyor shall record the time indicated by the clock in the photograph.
4:29
